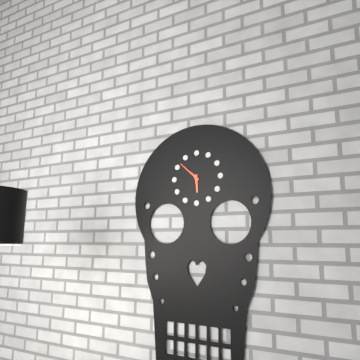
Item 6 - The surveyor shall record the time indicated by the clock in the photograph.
5:52
